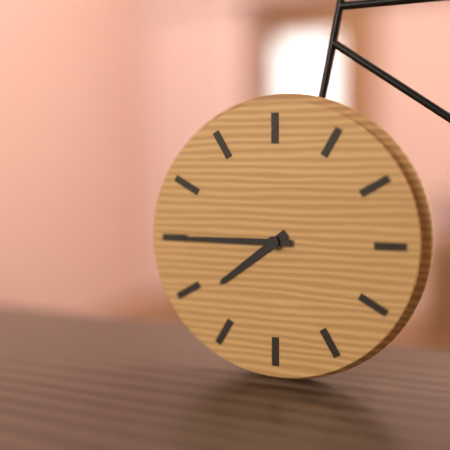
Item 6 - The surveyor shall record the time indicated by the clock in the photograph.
7:45
